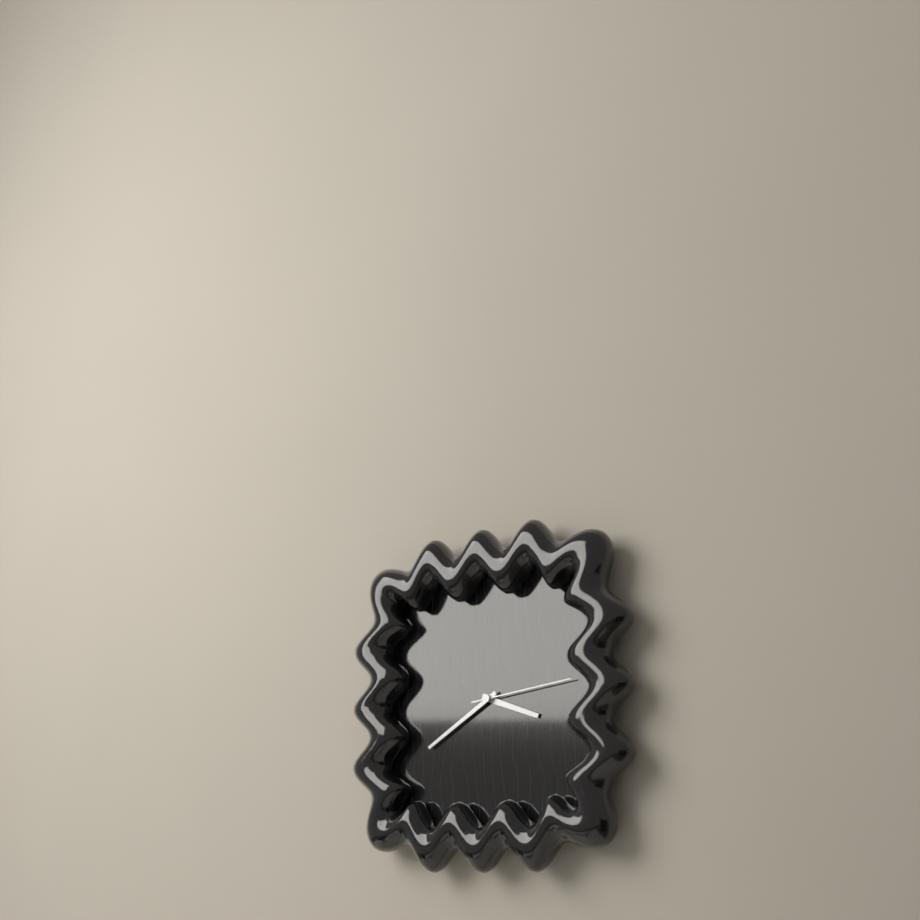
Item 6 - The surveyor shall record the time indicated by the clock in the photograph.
3:40:14
